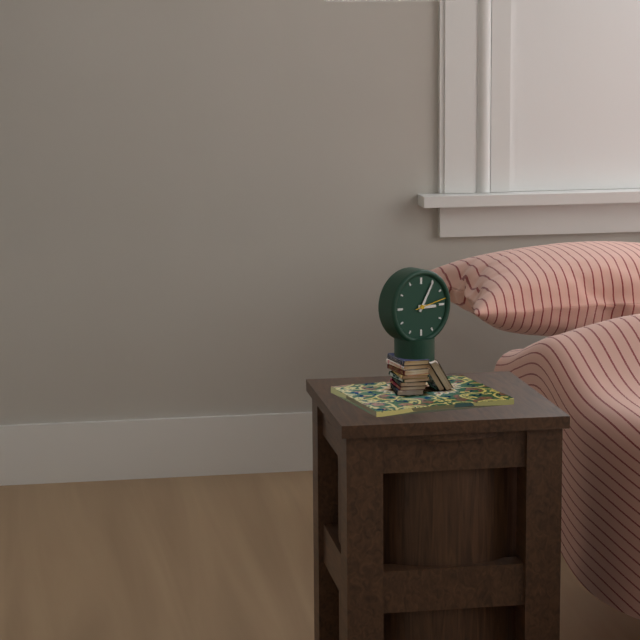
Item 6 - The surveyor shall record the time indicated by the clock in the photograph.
3:05
